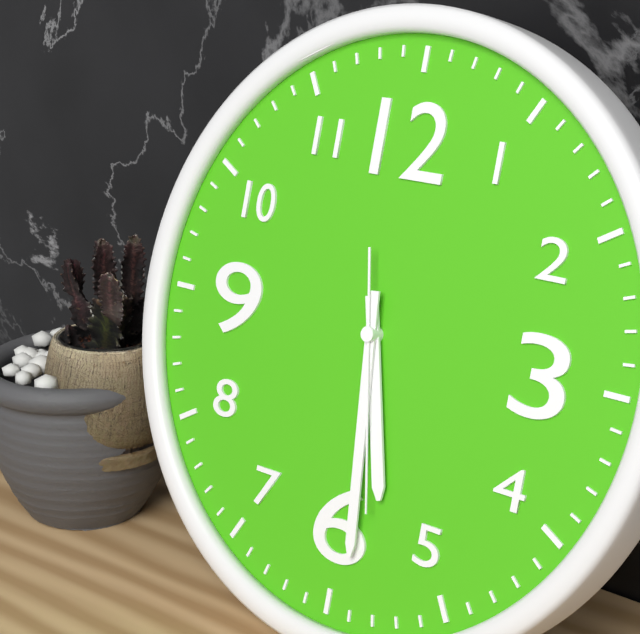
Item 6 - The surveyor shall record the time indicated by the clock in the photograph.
5:29:28
